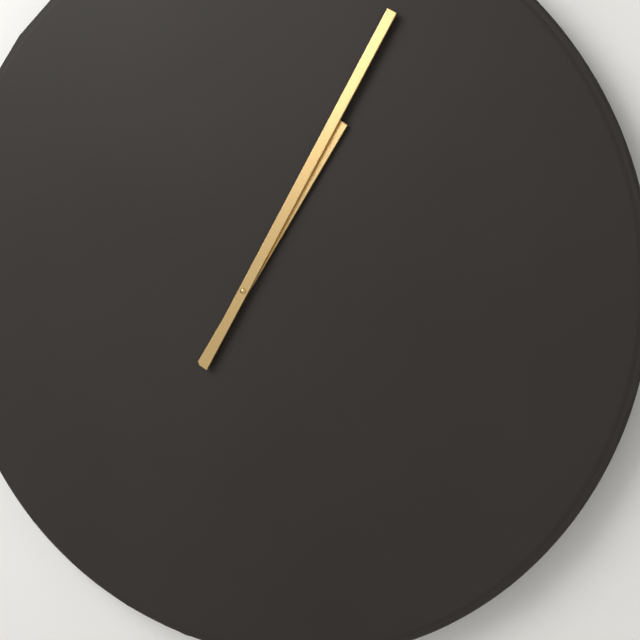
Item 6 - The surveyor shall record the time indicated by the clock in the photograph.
1:05
